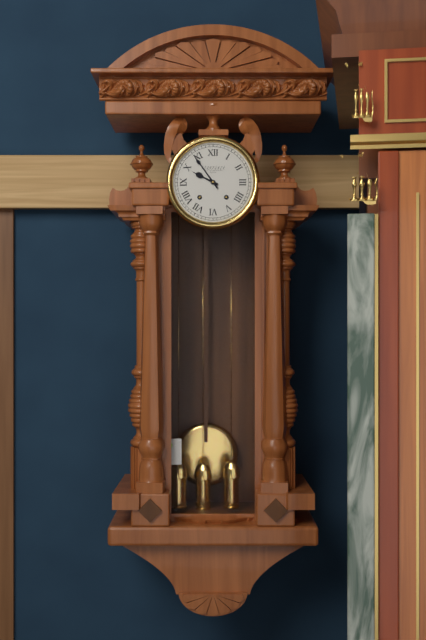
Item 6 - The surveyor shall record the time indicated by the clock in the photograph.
9:54
